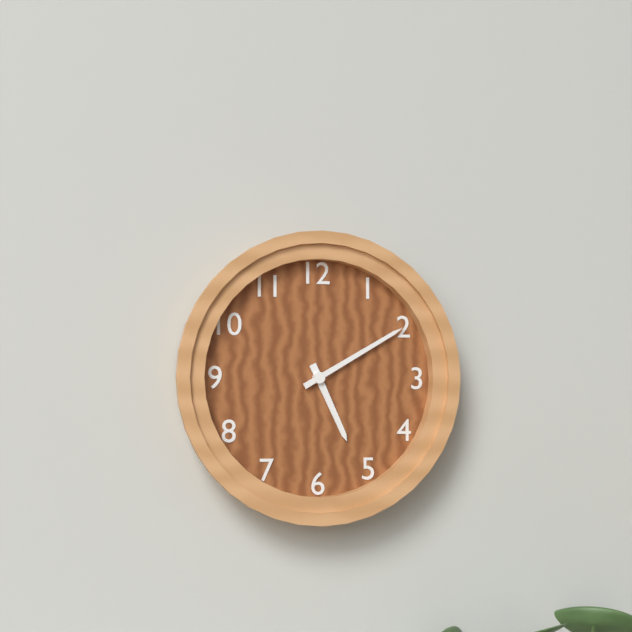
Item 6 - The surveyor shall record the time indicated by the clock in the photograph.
5:10
